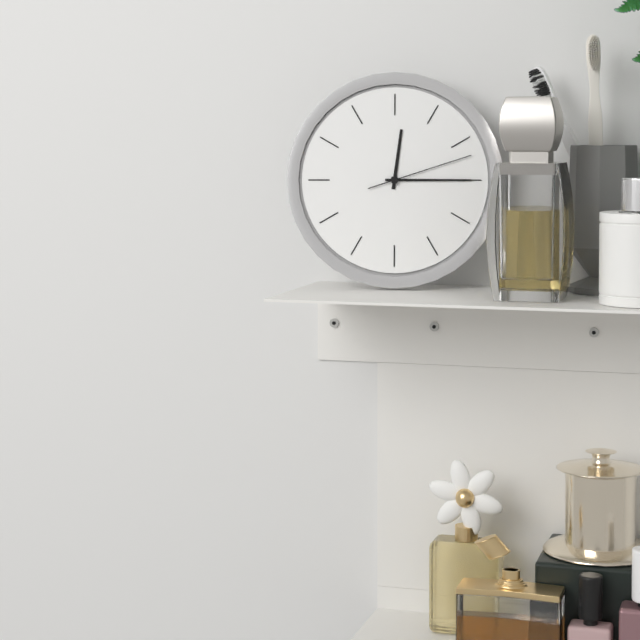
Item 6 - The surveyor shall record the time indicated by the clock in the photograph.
12:15:12
